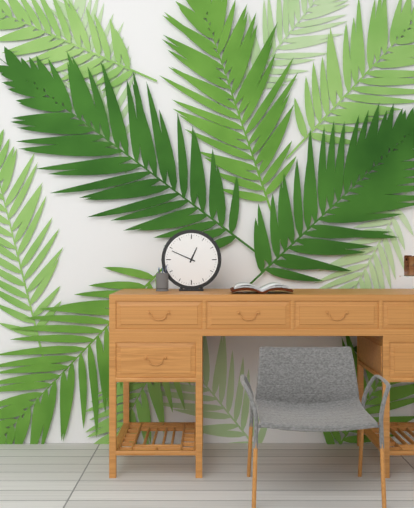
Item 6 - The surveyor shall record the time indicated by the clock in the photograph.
12:49
